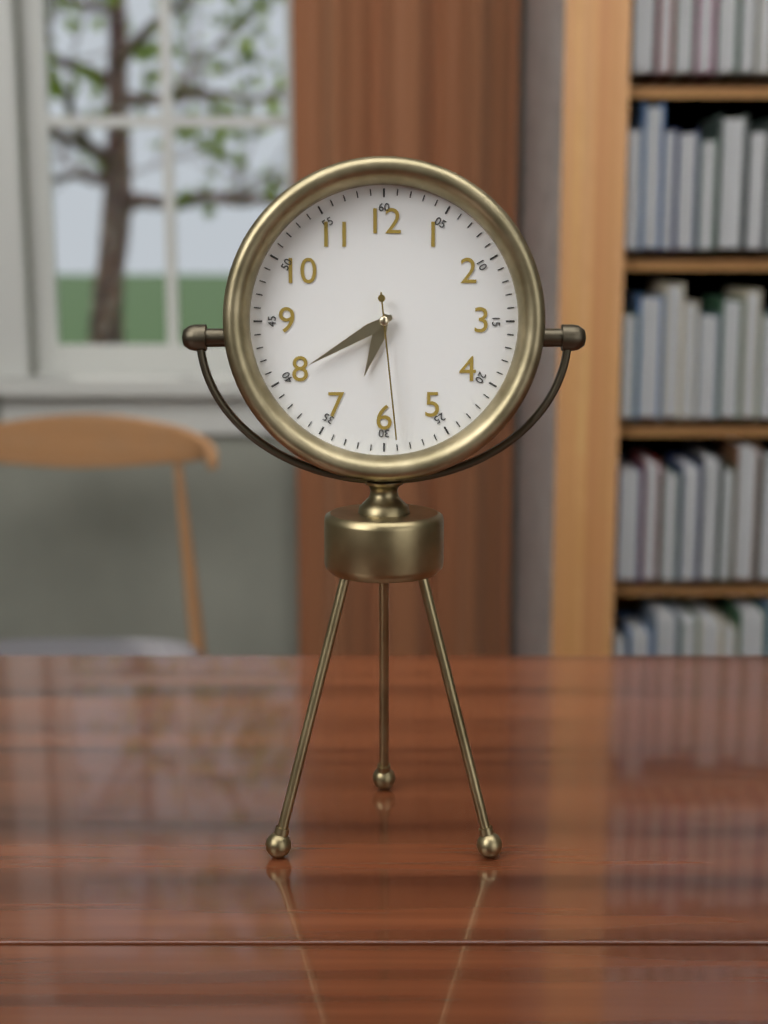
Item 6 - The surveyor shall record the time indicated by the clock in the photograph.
6:40:29
